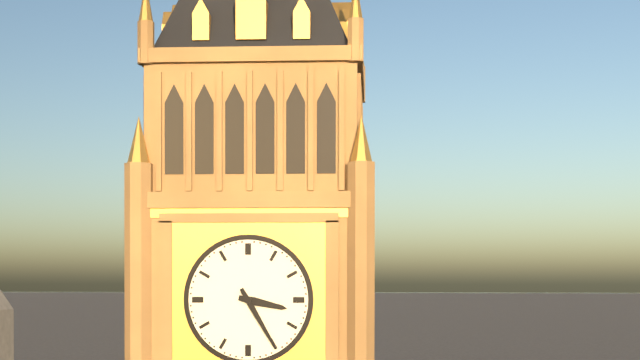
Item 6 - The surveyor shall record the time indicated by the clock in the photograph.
3:25
